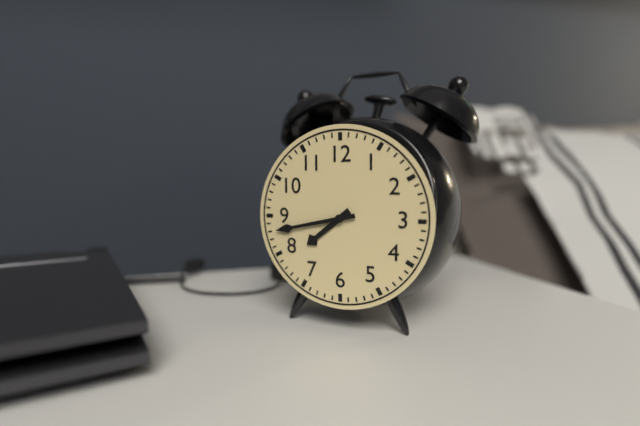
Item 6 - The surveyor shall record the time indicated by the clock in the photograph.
7:43
